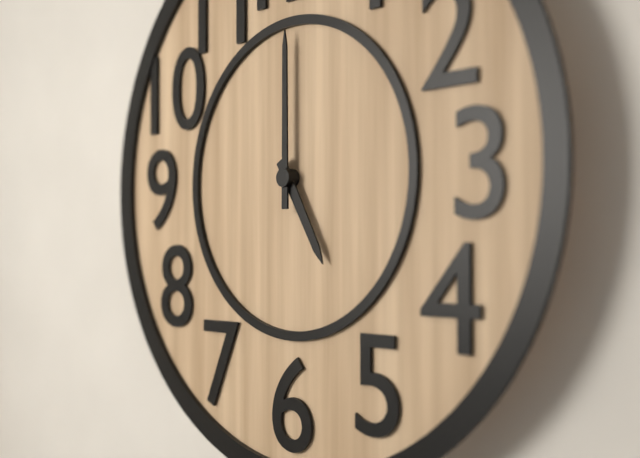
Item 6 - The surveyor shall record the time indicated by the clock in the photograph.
5:00
